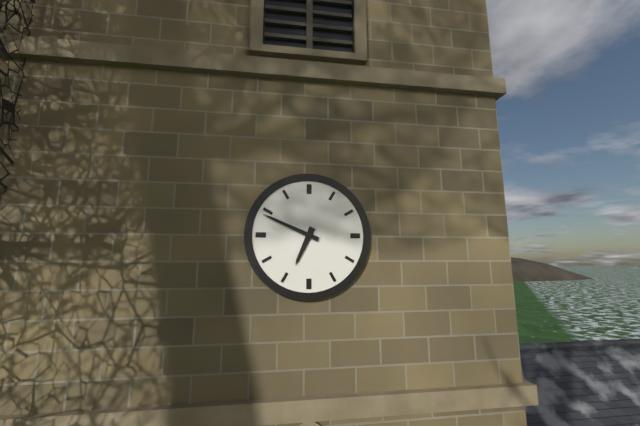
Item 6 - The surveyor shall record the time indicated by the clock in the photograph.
6:49
